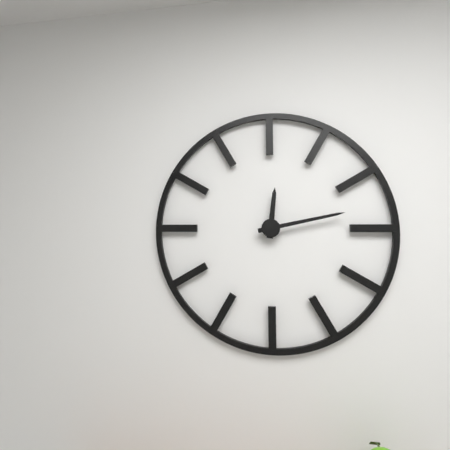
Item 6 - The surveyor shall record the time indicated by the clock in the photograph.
12:13
